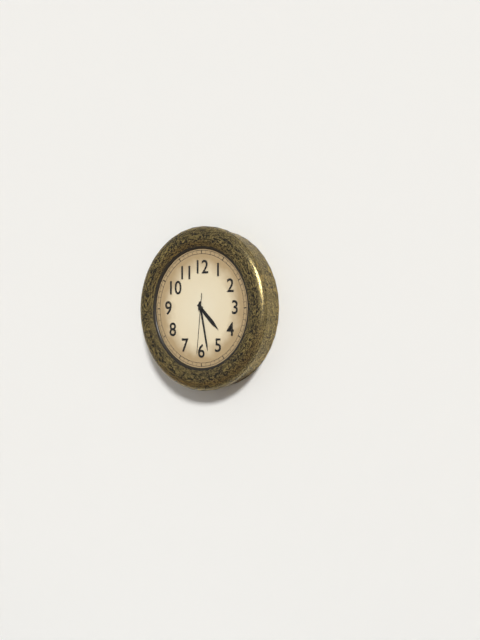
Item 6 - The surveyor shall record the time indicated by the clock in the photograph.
4:28:31
